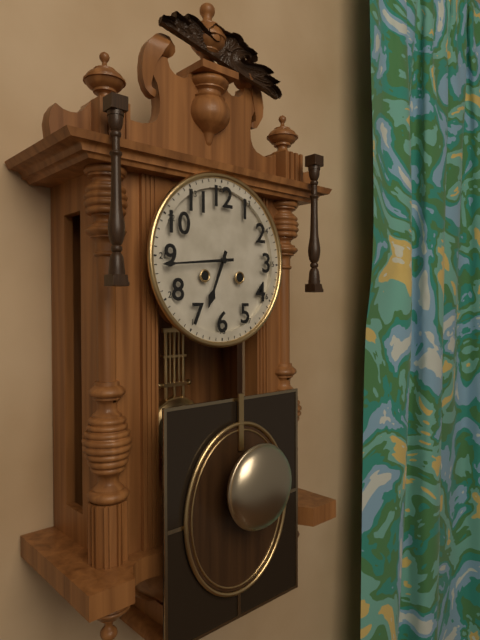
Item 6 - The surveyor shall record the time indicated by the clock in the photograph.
6:44
